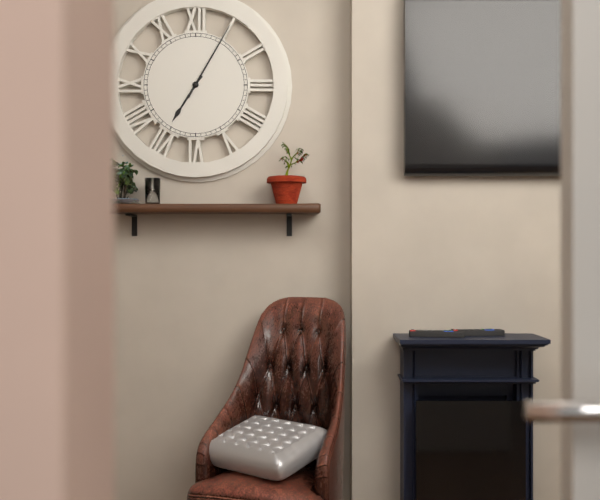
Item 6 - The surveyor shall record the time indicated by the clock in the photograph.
7:05
